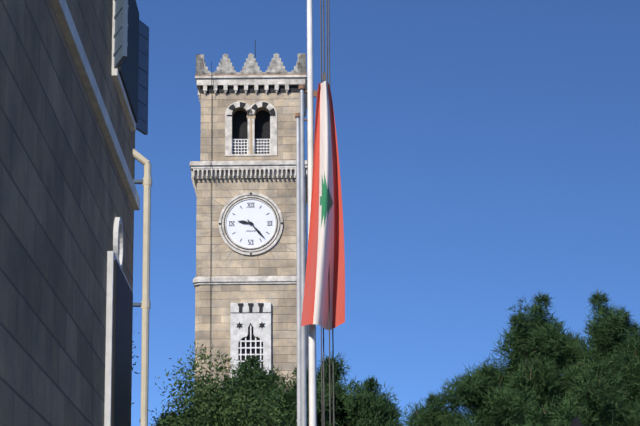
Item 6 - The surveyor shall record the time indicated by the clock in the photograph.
9:23
